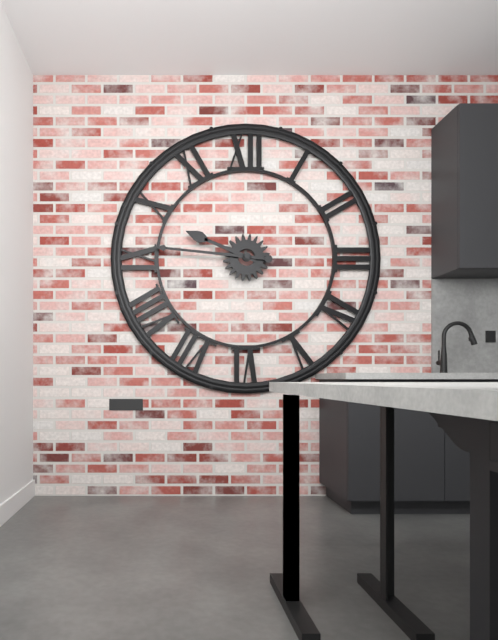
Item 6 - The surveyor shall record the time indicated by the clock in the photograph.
9:46
